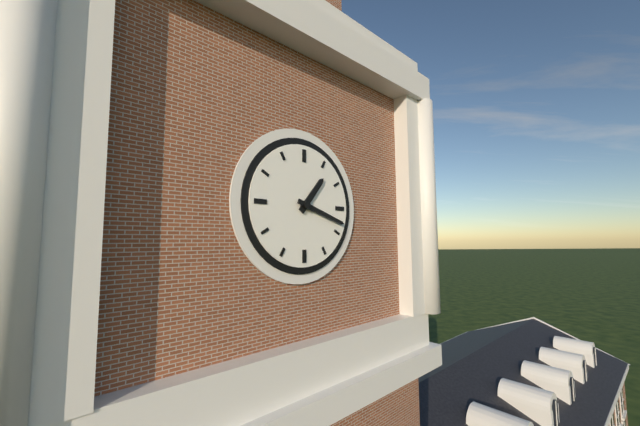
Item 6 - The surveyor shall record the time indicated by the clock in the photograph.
1:18
